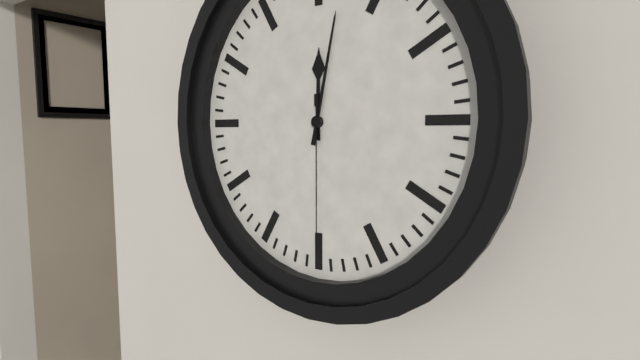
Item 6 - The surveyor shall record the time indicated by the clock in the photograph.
12:02:30
